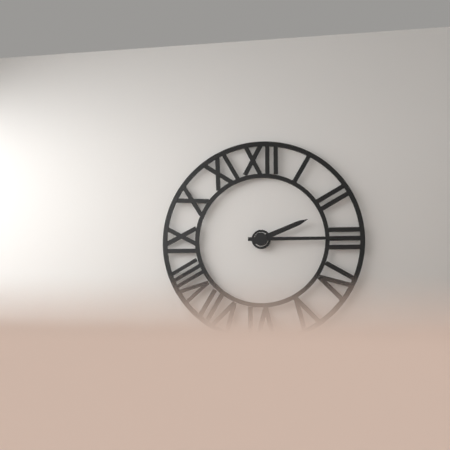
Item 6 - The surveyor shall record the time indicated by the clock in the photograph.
2:15
